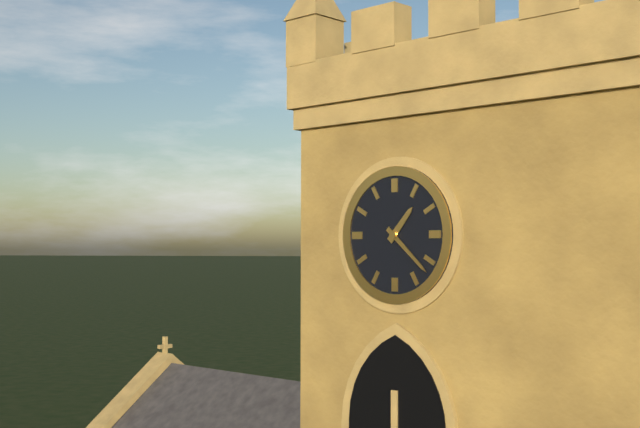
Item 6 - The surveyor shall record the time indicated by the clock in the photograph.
1:22
